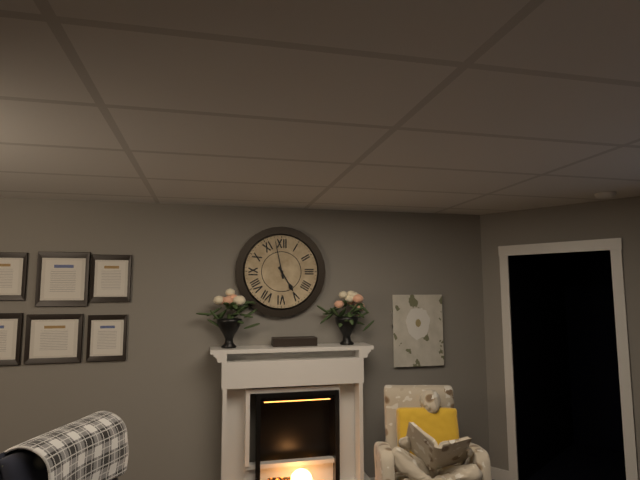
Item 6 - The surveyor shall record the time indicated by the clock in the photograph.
4:58
